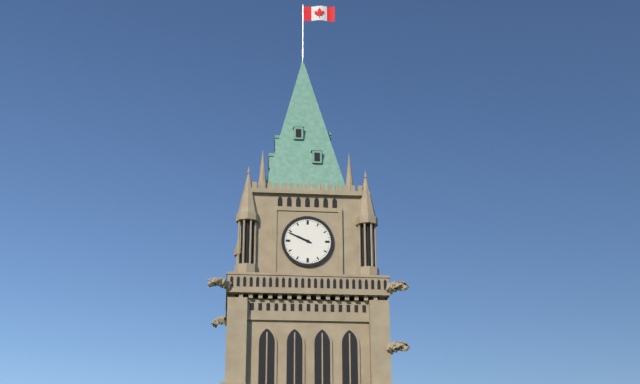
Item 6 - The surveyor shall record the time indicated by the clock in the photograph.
9:49
